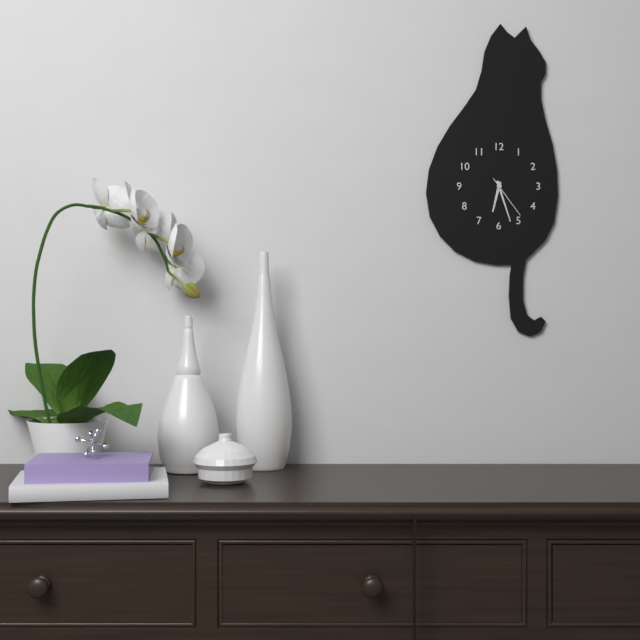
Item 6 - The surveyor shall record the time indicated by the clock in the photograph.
6:27
